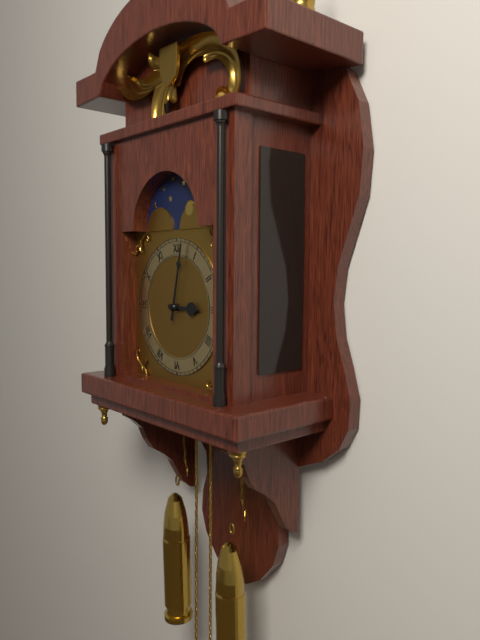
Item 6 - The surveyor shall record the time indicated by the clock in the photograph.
3:02
